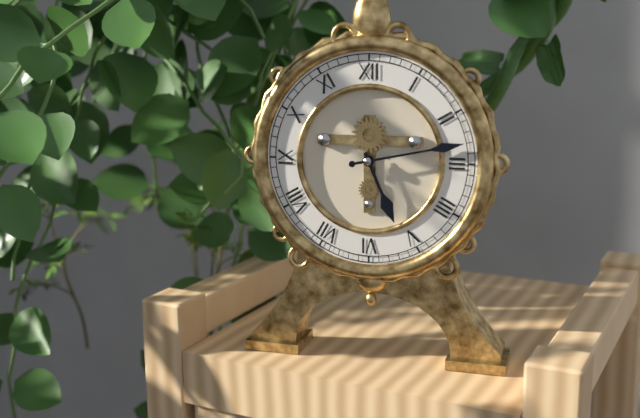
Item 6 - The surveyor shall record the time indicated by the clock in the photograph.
5:13
